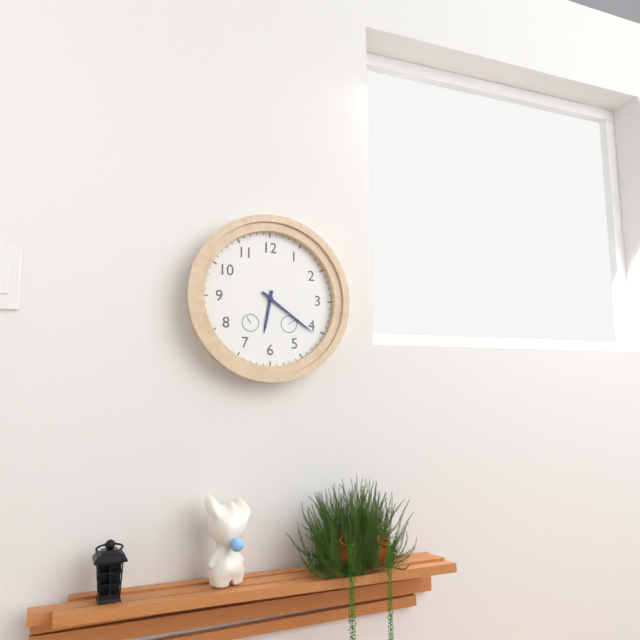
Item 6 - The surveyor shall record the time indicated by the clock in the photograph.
6:21
